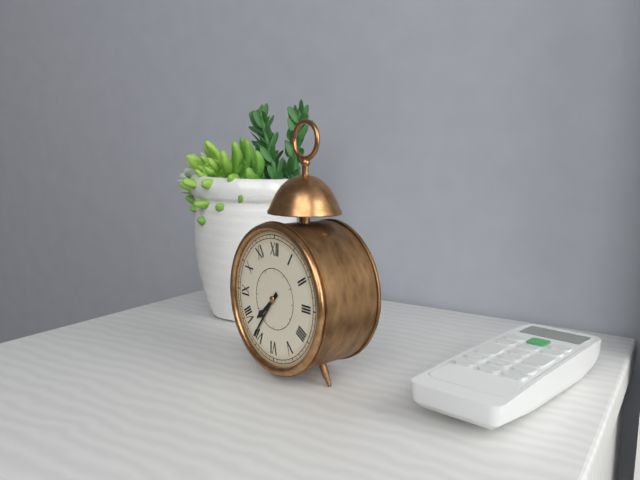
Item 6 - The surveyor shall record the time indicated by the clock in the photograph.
7:36
